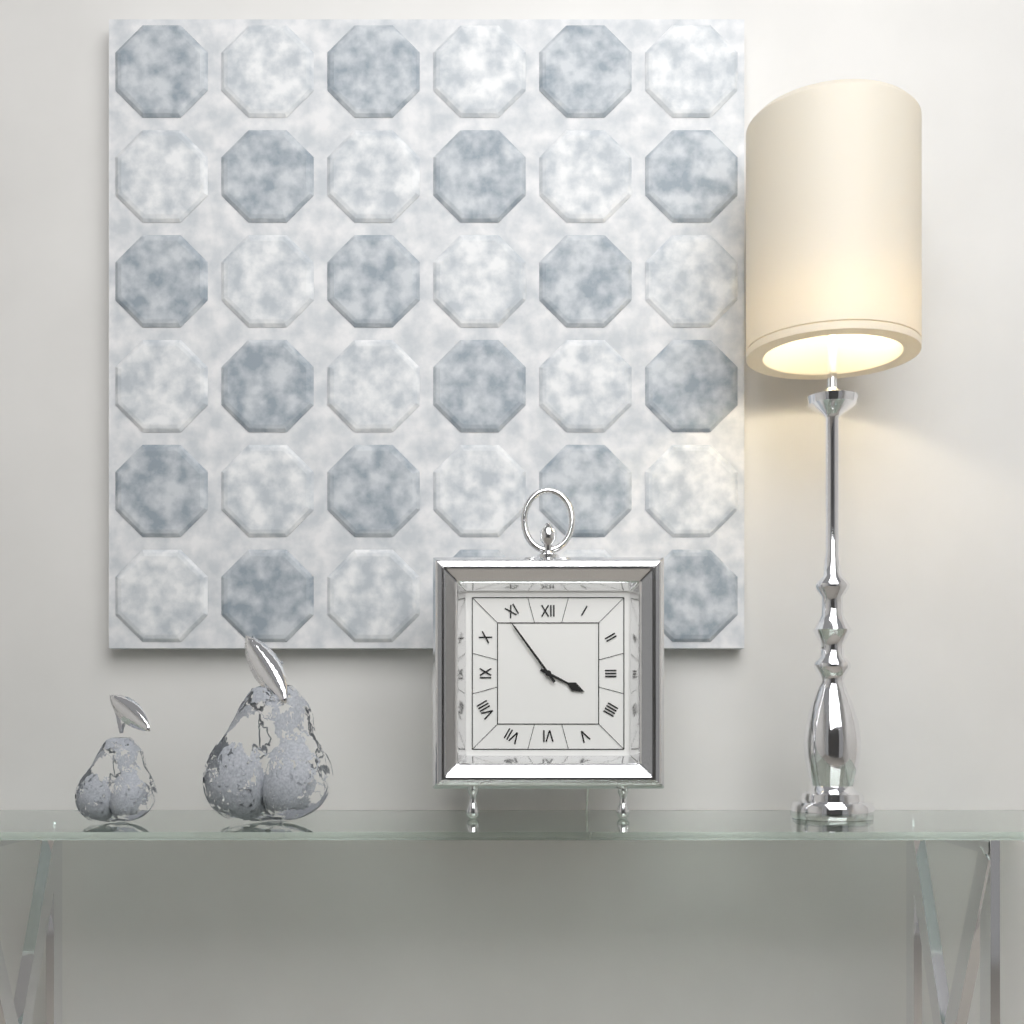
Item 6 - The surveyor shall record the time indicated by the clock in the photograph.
3:54
